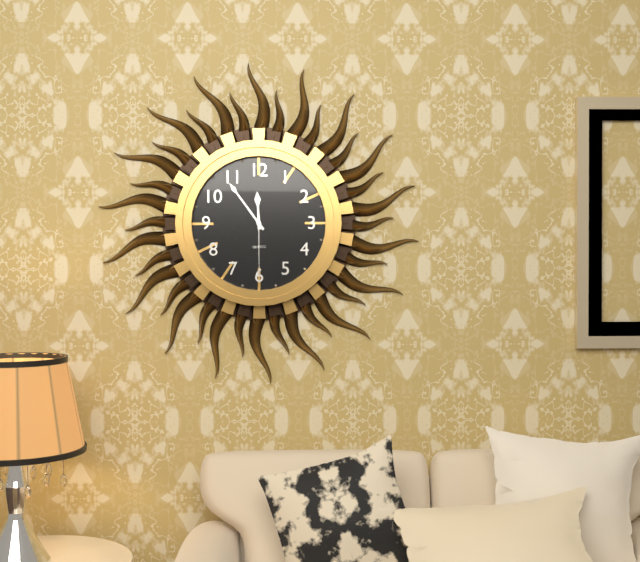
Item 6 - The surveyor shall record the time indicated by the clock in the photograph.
11:54:30
